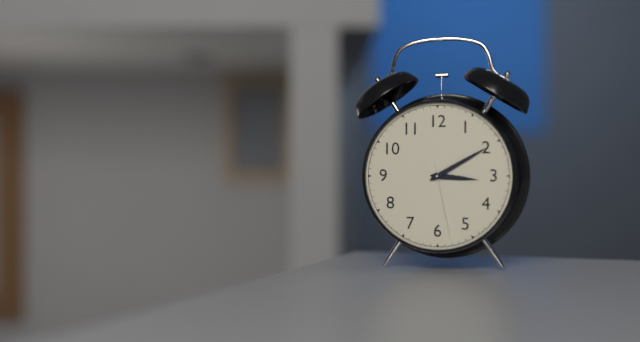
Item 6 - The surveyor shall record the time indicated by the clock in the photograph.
3:10:28
